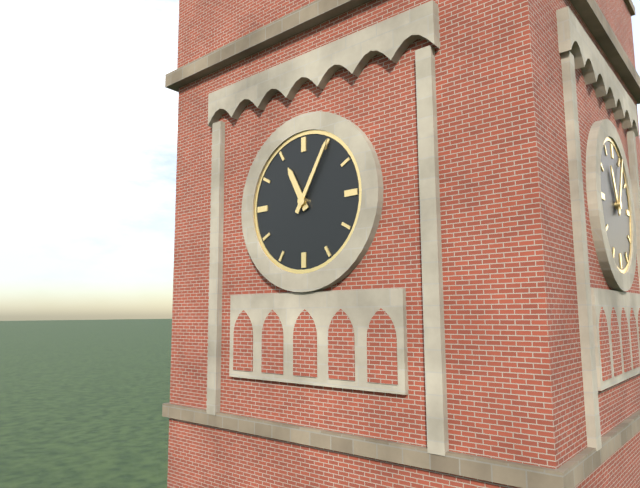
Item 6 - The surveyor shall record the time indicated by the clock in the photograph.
11:05
